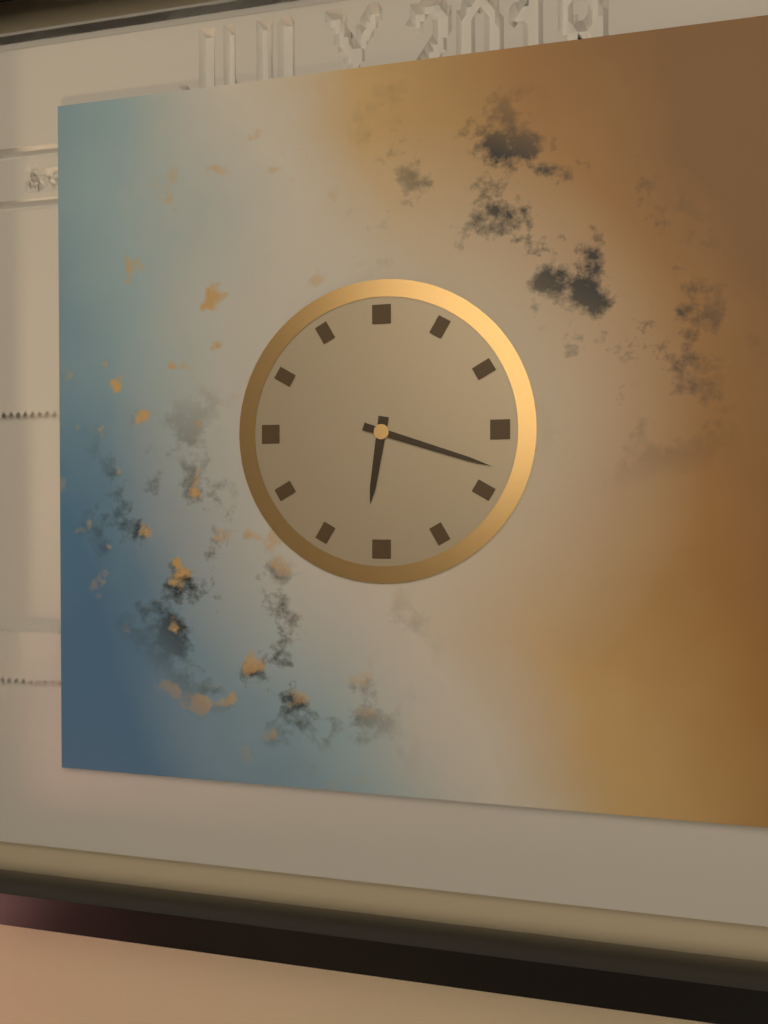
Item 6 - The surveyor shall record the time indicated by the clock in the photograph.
6:18
